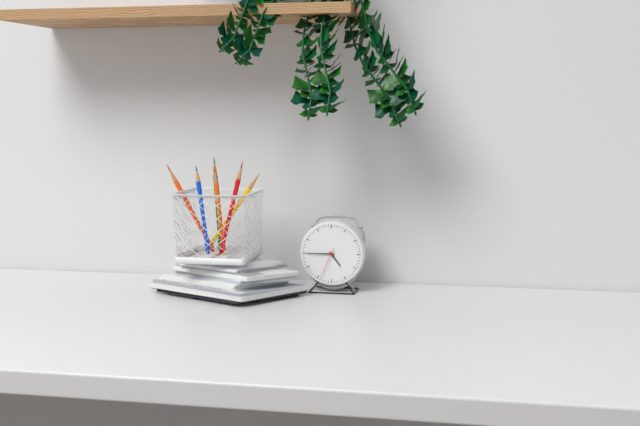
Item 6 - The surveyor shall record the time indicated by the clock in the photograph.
4:45
